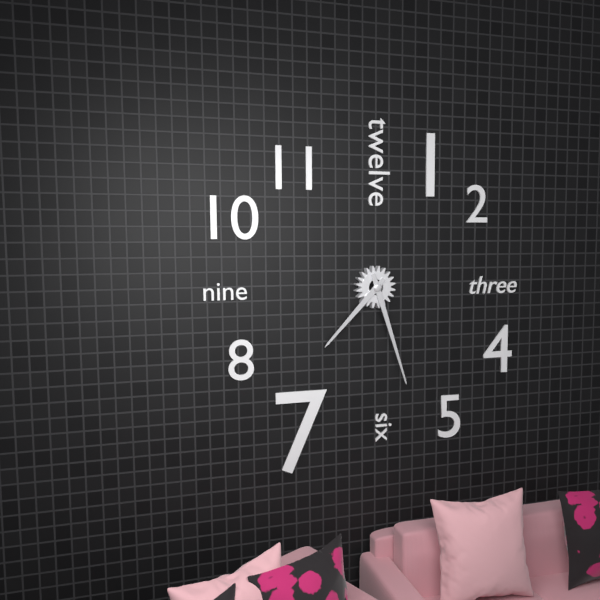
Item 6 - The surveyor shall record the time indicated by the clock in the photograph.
7:27
